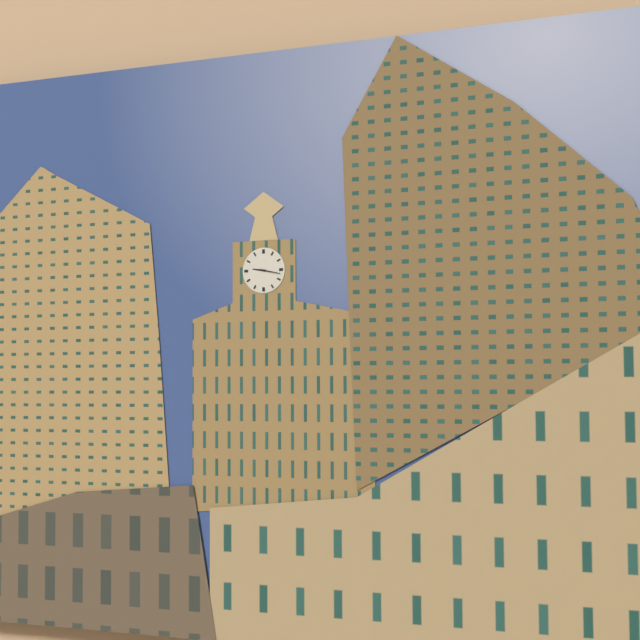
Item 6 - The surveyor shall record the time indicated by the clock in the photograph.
9:17
